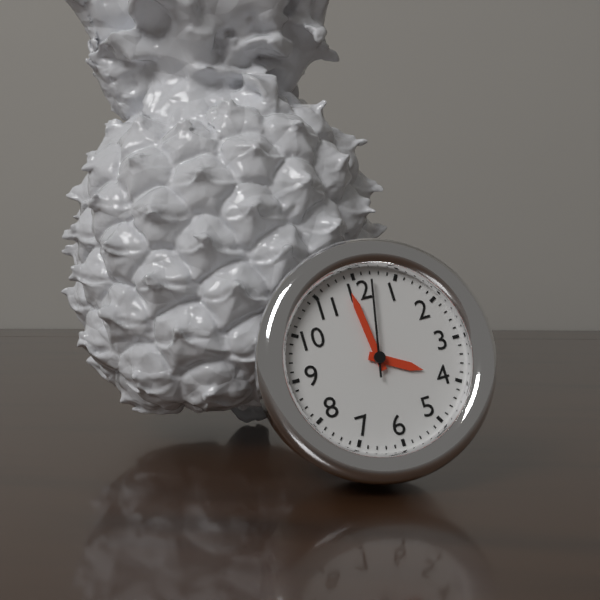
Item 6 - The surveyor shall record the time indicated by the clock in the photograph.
3:59:02
